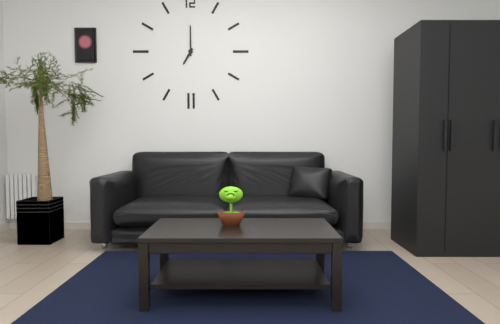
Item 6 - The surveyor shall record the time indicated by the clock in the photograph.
7:00
